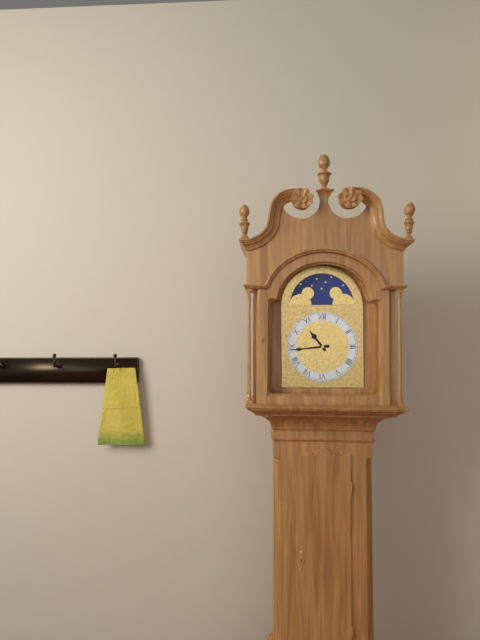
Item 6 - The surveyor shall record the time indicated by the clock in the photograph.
10:44
